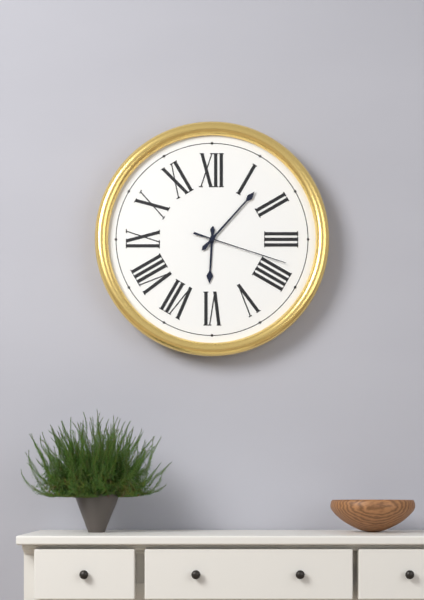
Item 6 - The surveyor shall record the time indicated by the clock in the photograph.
6:07:18
